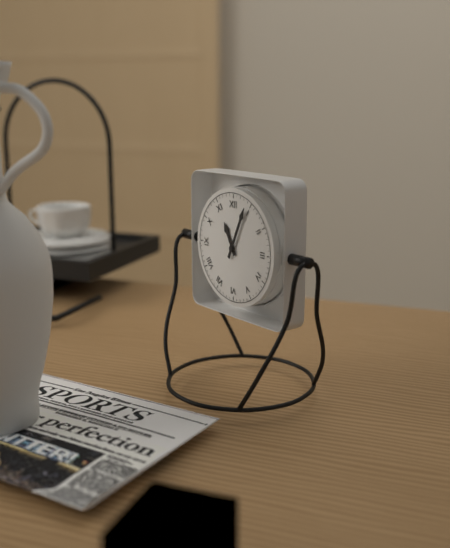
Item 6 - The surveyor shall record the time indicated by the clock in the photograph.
11:04
